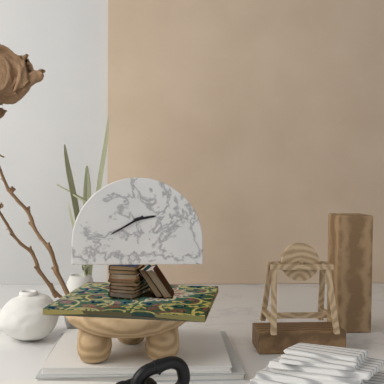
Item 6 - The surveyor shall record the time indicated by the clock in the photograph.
2:40
